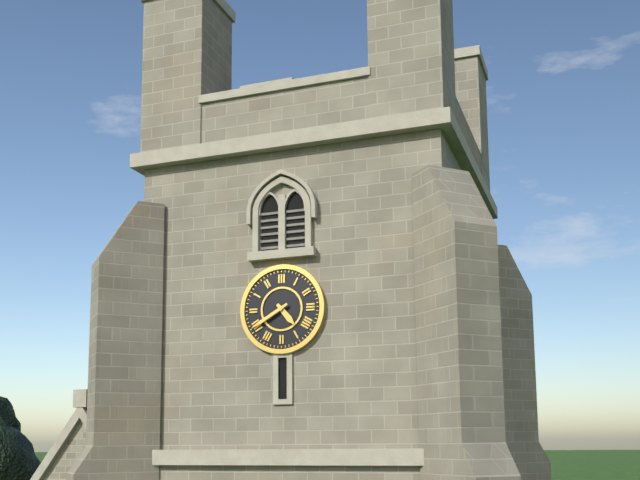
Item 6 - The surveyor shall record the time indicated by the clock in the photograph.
4:40
